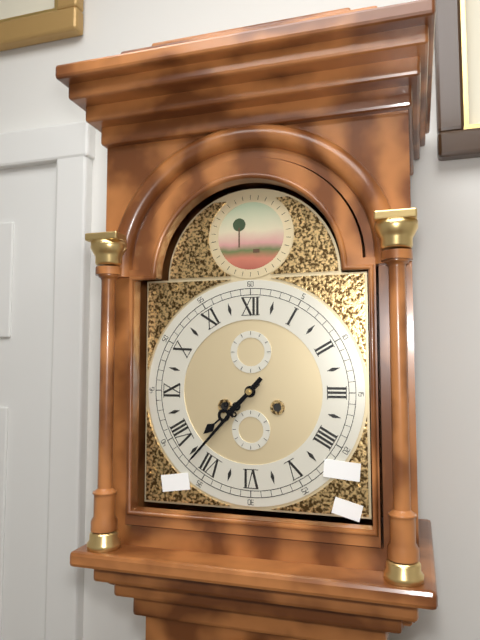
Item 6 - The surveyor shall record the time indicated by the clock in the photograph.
7:37
